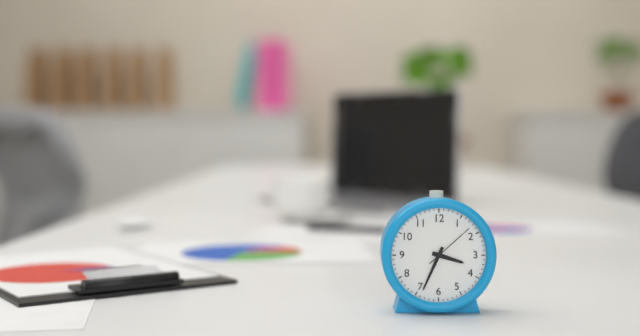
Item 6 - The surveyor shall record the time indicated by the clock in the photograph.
3:34:08
